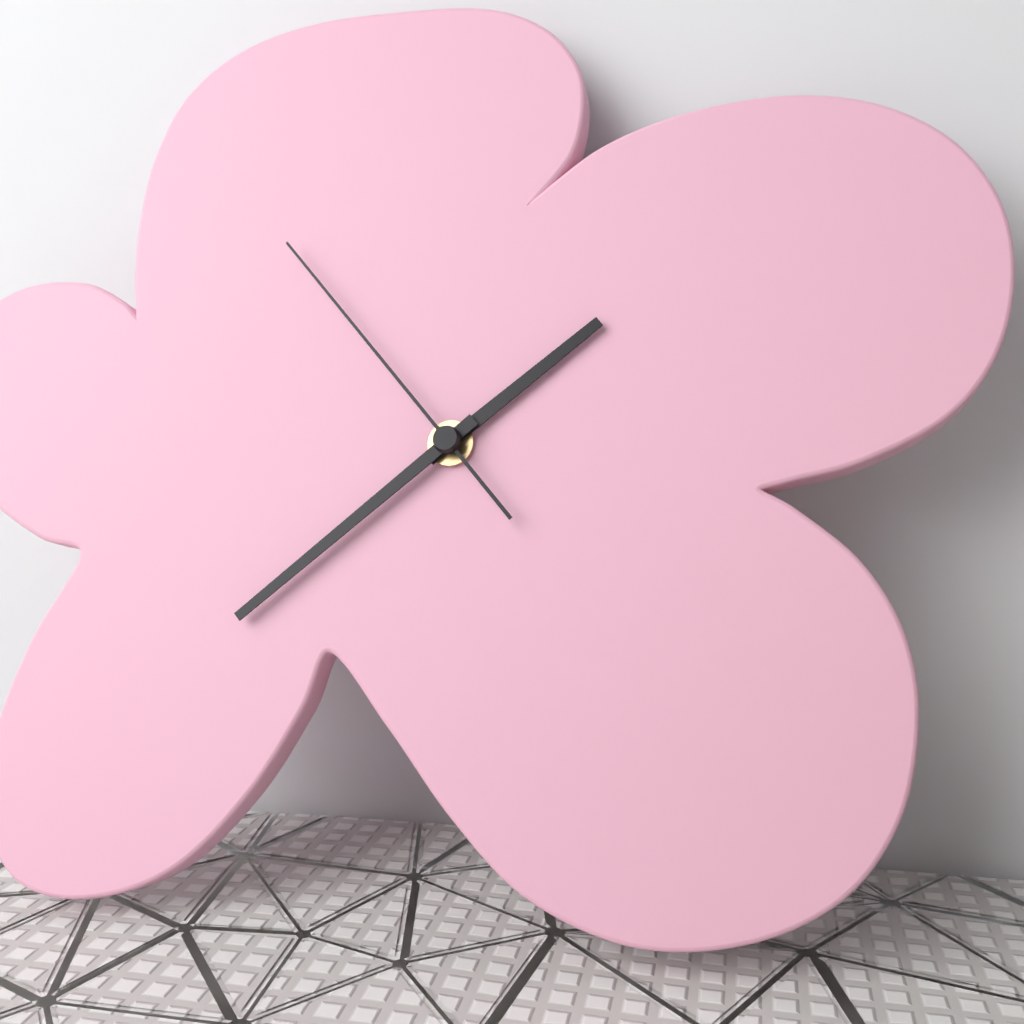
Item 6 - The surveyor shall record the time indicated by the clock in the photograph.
1:38:53
